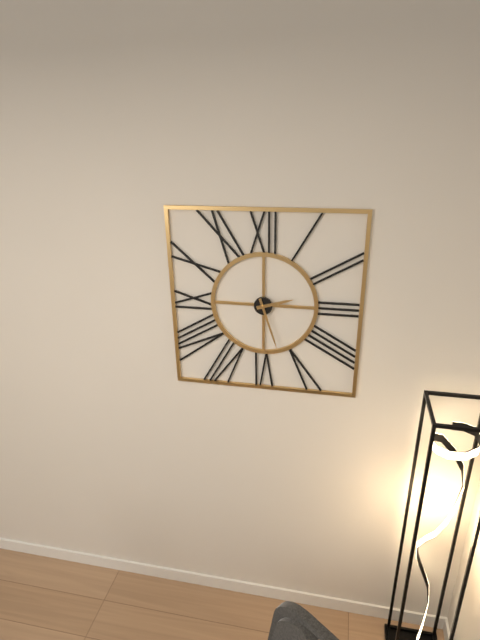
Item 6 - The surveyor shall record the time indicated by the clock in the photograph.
2:27
